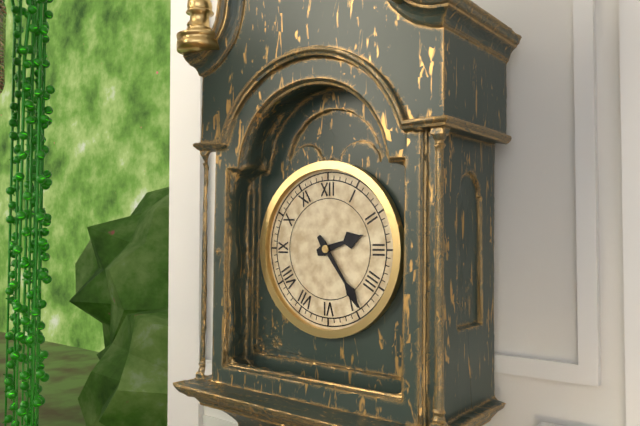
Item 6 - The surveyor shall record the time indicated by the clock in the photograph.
2:24
